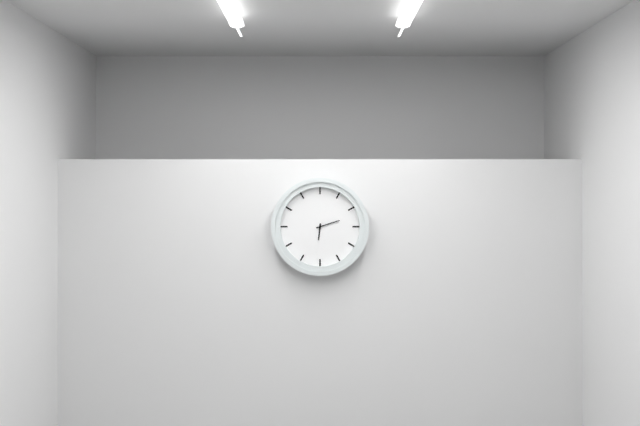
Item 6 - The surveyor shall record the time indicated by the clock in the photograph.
6:12
